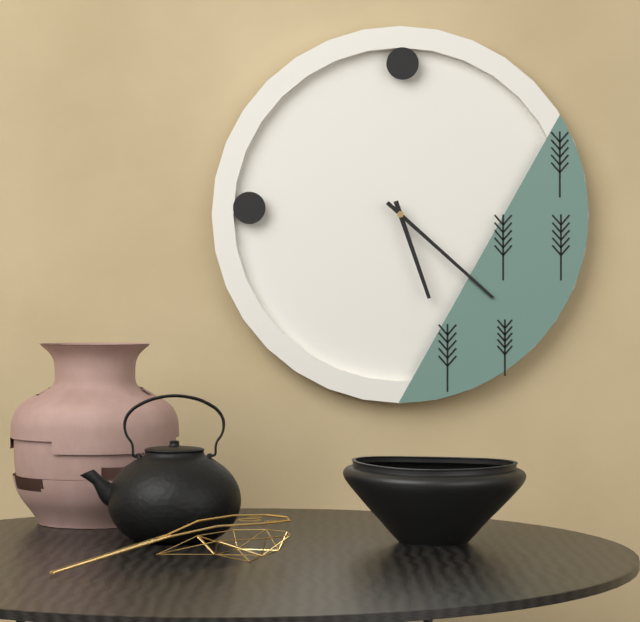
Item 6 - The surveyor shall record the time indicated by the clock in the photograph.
5:22
